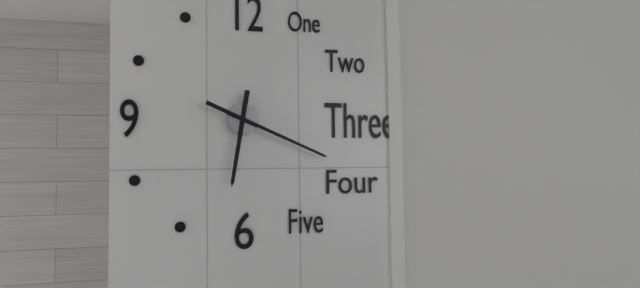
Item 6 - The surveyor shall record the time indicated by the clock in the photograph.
6:19
